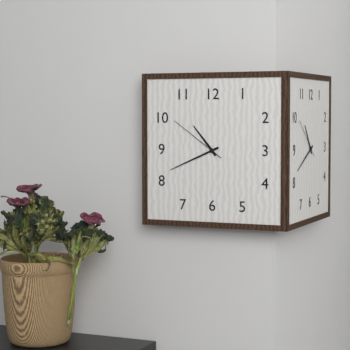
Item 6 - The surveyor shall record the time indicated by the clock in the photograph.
10:41:51
